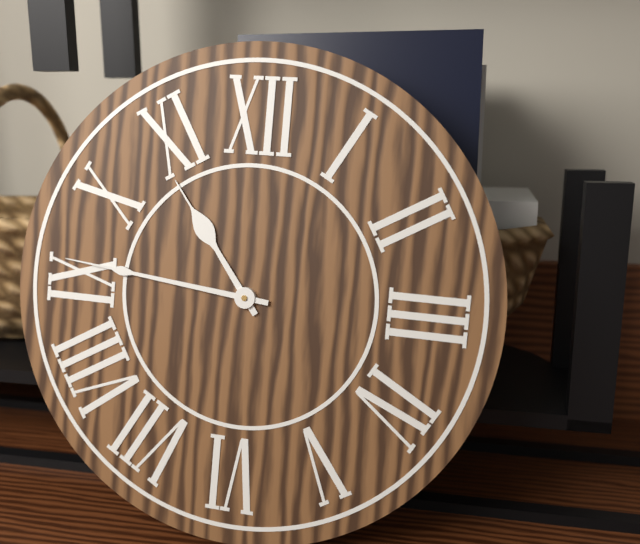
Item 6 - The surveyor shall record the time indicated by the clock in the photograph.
10:46
